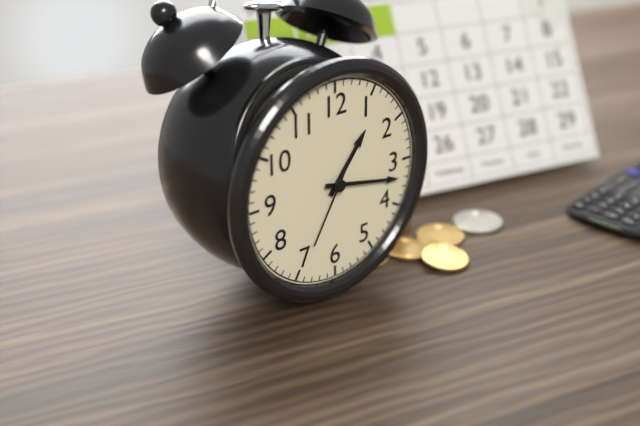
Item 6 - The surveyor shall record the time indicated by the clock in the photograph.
1:17:35
